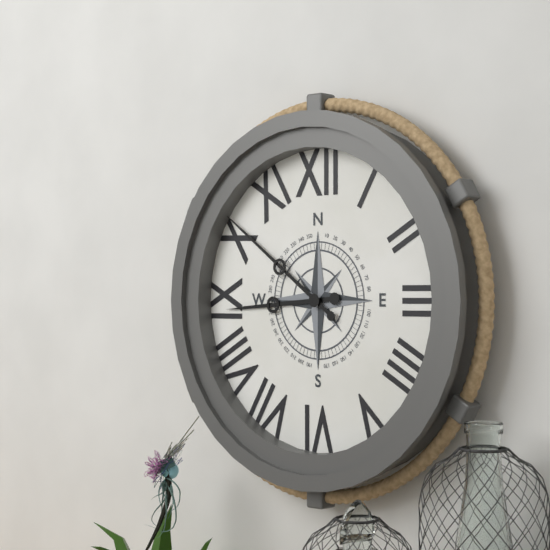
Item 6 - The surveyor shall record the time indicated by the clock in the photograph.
8:51
